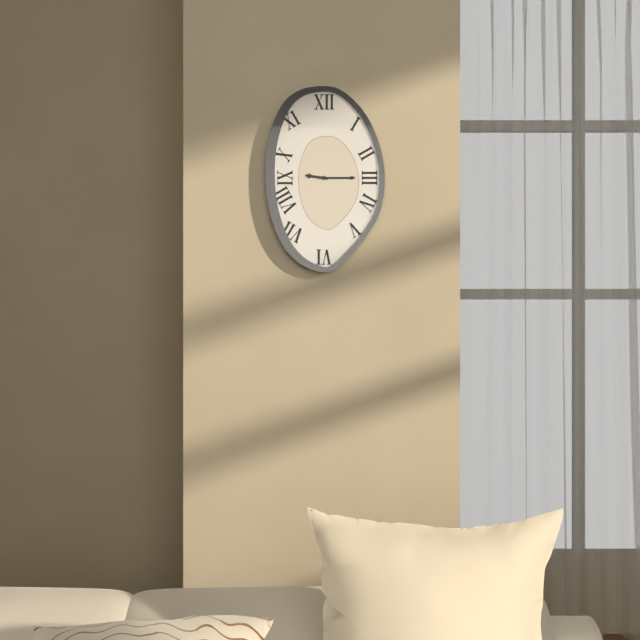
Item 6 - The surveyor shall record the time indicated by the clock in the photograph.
9:15
